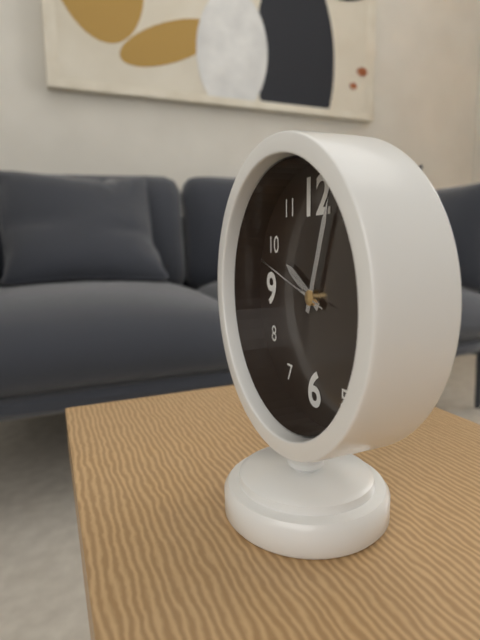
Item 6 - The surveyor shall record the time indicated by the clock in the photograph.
10:03:48
